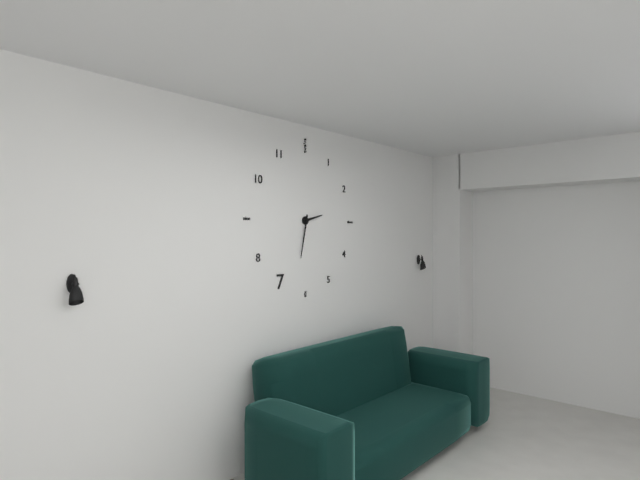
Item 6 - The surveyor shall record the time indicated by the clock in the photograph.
2:32
